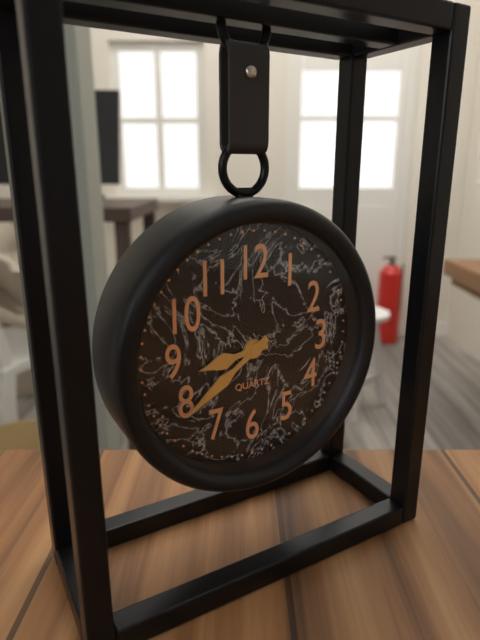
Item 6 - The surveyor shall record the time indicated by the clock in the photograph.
8:39
